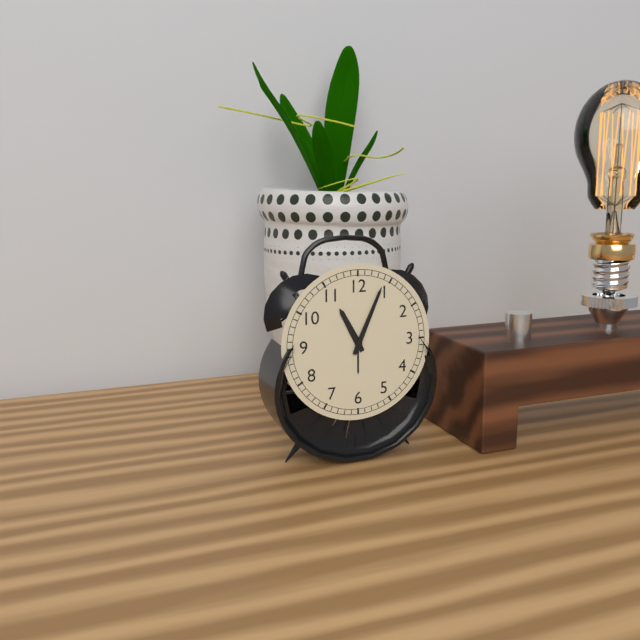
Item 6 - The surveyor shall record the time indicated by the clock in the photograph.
11:04
